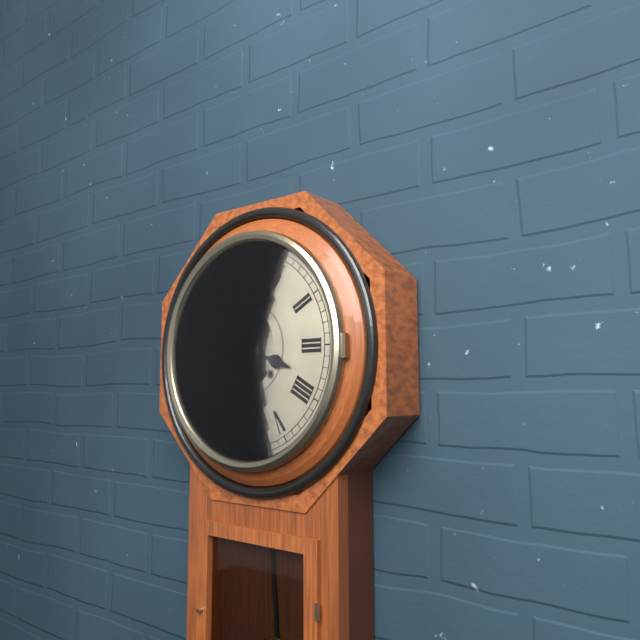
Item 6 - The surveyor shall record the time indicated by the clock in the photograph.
3:38
